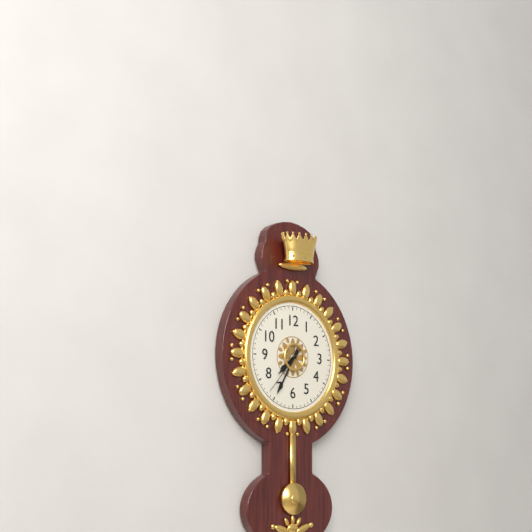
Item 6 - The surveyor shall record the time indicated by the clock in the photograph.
7:35:37
